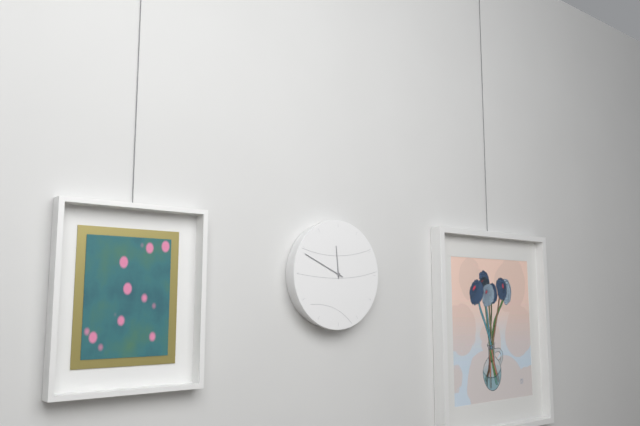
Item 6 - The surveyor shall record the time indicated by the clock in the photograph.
11:49
